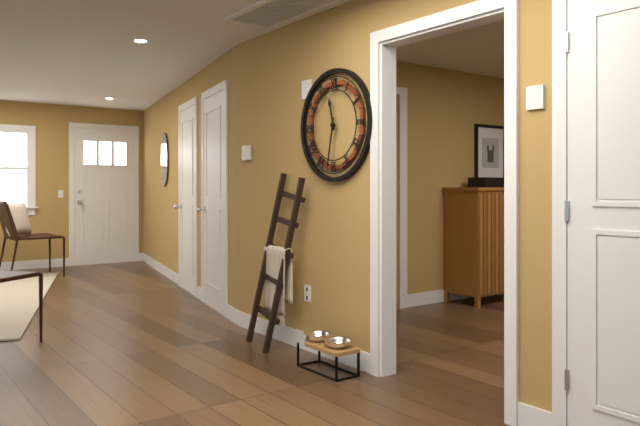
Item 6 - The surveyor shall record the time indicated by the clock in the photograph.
11:32
